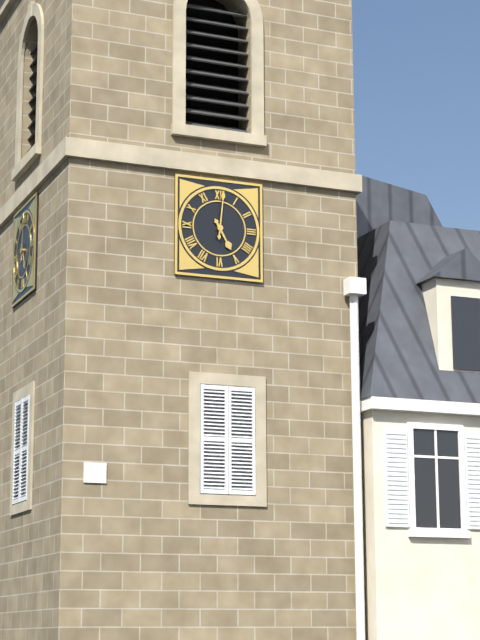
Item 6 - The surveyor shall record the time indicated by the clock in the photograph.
5:01
